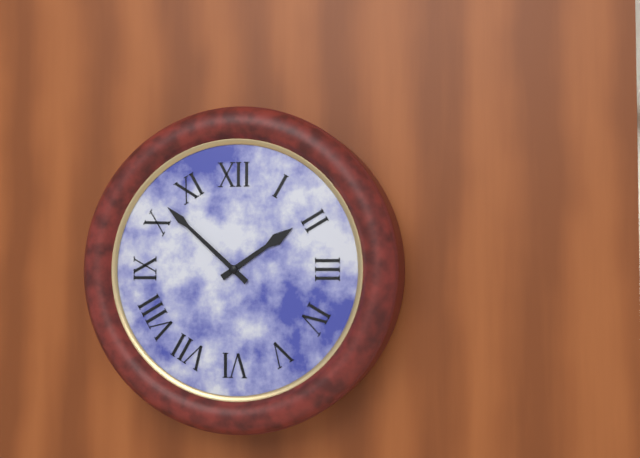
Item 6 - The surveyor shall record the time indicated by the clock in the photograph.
1:52
